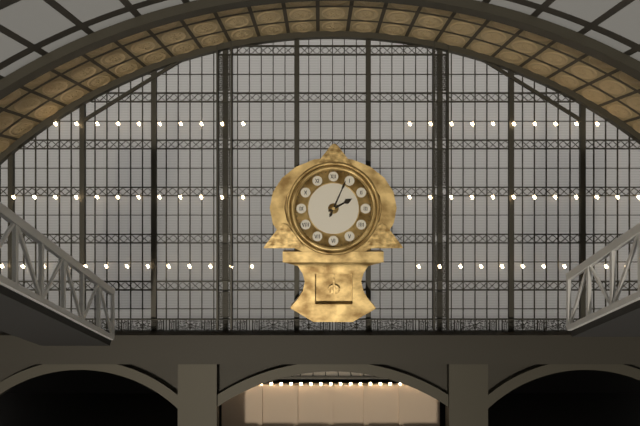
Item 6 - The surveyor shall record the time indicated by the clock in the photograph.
2:04
